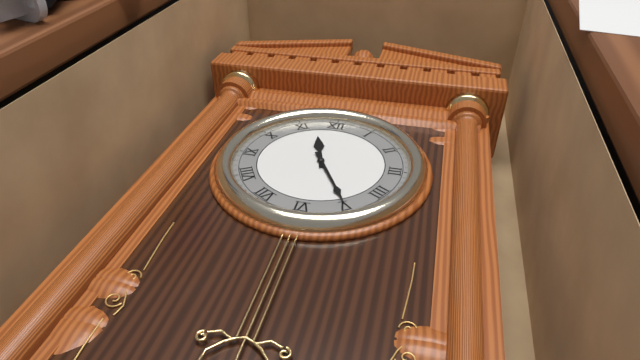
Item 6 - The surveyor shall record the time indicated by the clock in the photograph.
11:25
